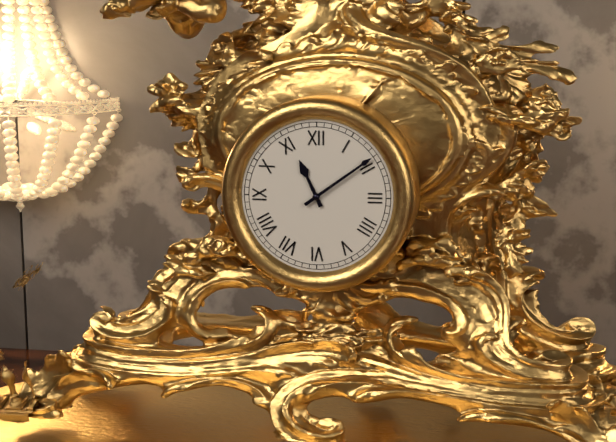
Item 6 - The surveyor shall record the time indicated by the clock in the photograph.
11:09
